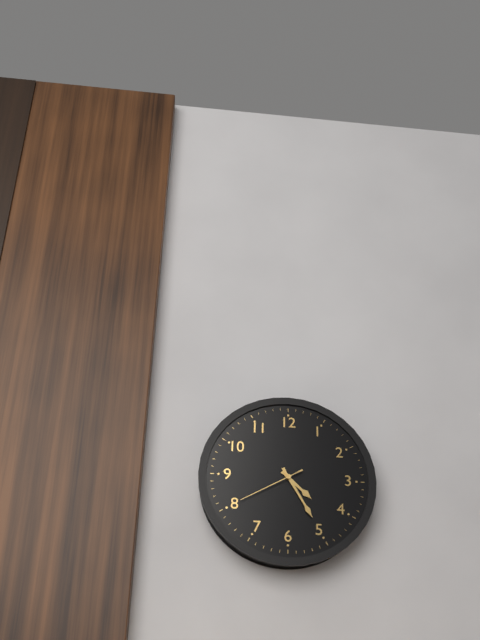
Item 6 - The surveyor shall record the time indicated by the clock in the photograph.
4:25:40
